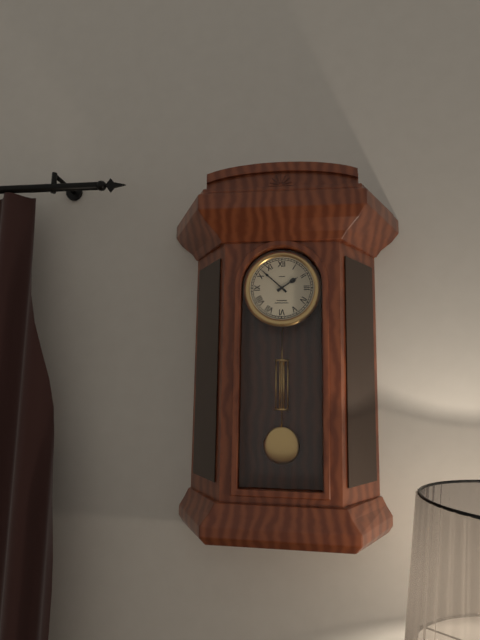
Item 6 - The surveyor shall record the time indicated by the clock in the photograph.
1:52
